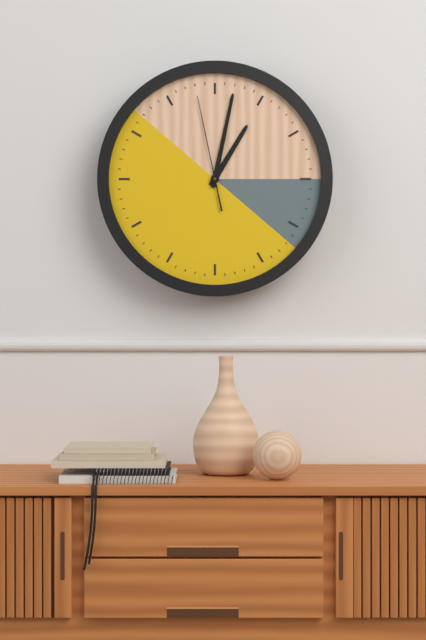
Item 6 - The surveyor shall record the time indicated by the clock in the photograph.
1:02:58
